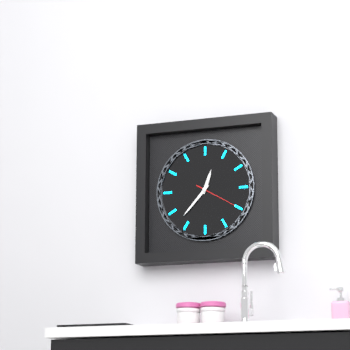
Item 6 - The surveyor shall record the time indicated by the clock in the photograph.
12:37
